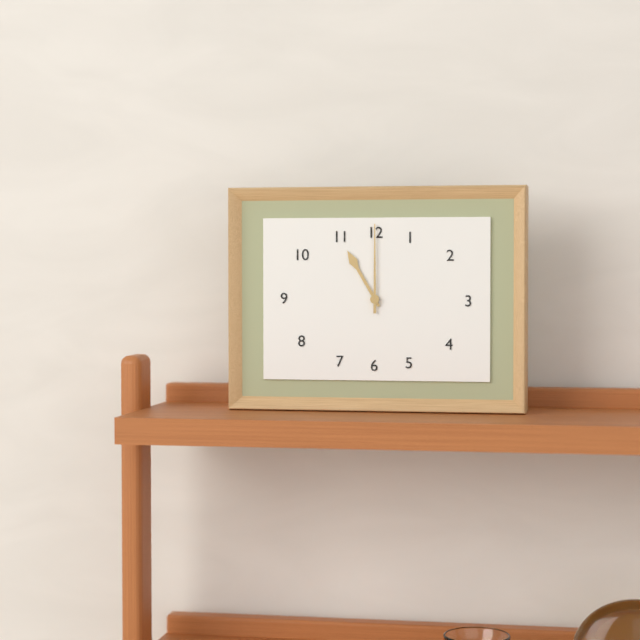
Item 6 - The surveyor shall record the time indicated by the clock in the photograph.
11:00
